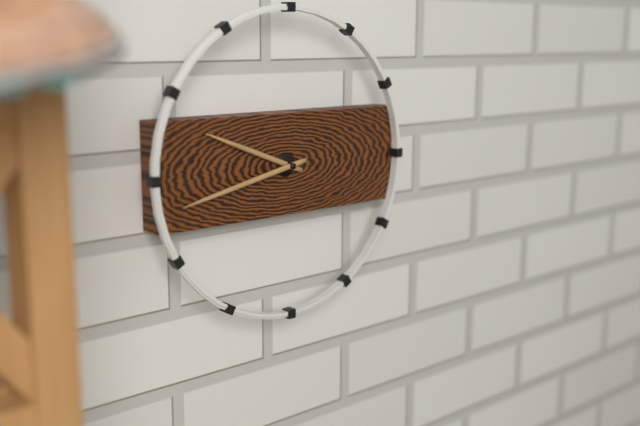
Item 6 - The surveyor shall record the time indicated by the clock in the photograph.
9:43
